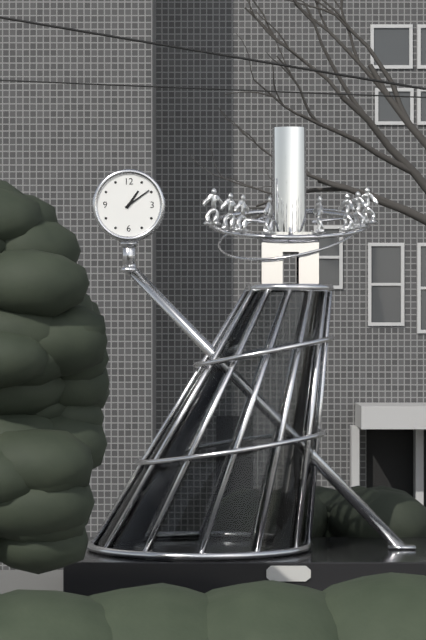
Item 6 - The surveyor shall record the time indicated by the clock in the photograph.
1:09
